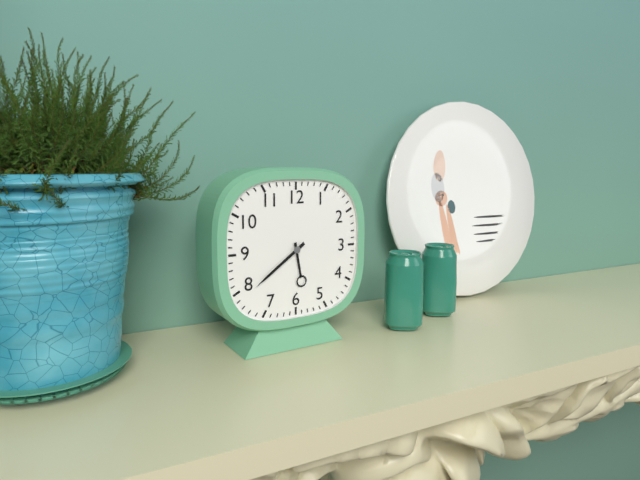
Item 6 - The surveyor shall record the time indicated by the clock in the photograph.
5:39
